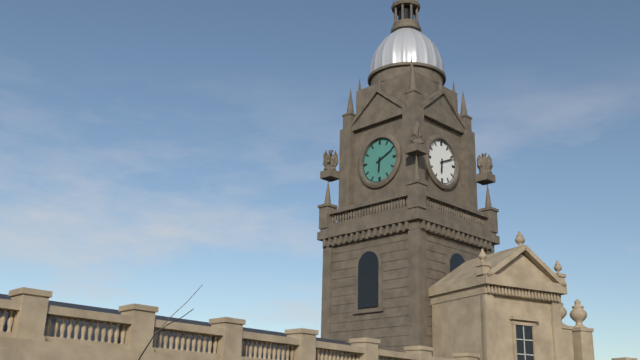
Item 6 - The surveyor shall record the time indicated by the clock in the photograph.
6:11
